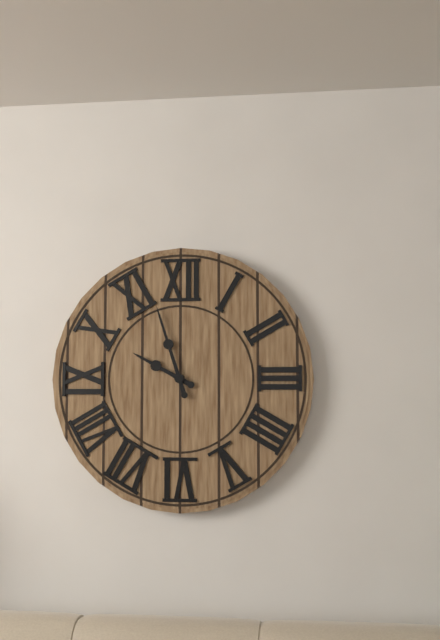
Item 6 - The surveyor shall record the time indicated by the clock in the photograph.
9:57
